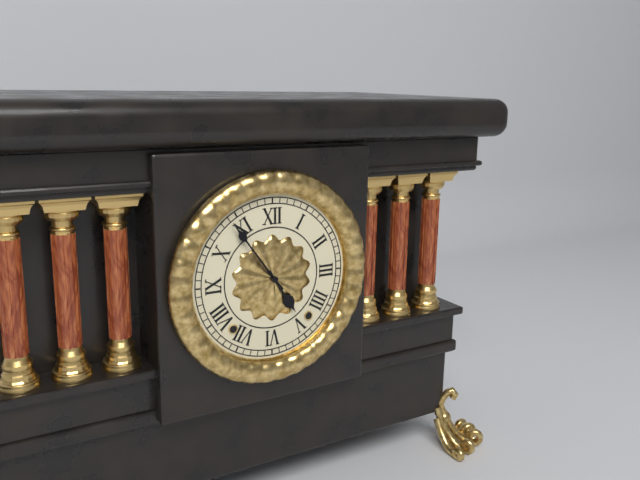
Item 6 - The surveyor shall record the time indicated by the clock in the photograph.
4:54
